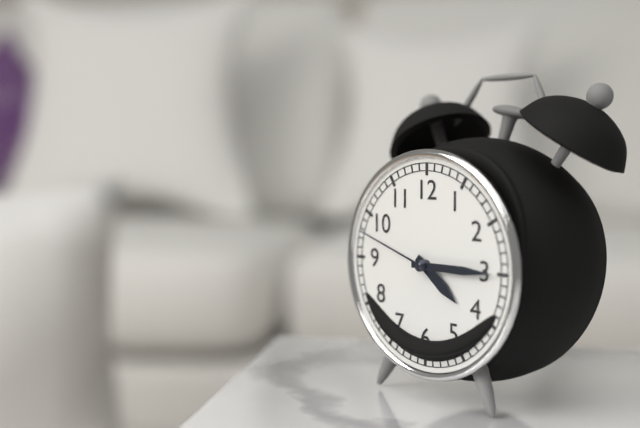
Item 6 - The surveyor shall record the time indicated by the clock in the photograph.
4:15:48
